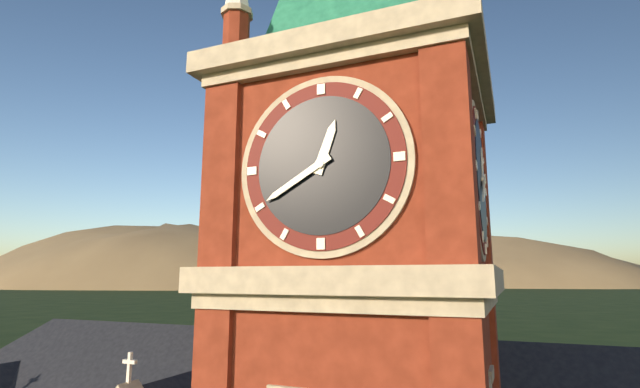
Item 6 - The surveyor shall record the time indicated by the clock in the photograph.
12:40
